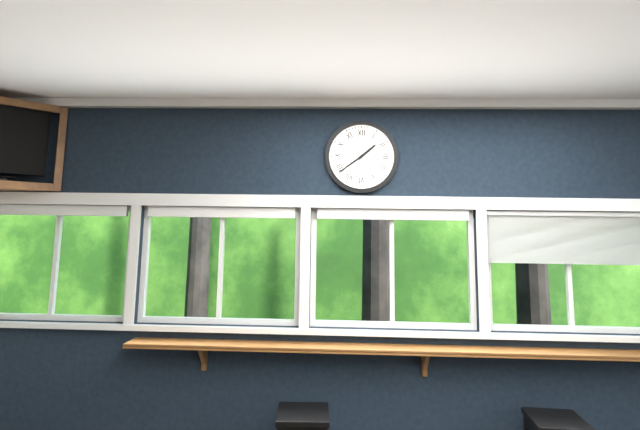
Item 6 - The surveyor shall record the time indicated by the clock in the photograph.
1:39
